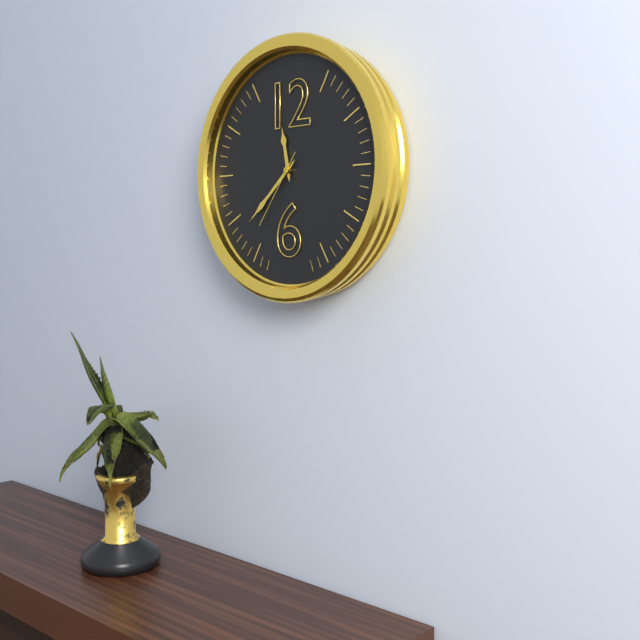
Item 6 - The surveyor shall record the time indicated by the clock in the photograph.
11:38:36
